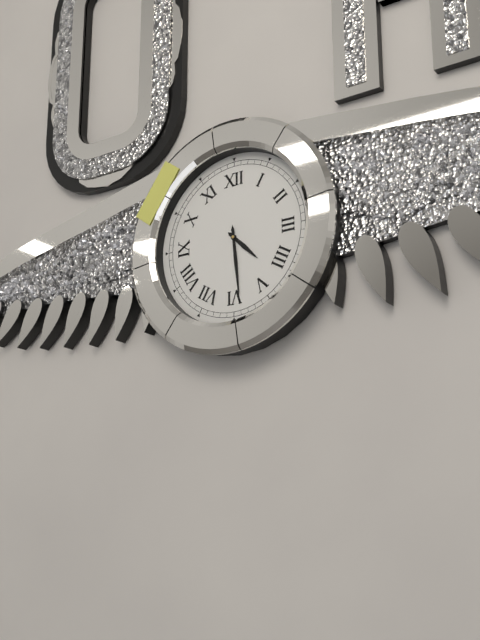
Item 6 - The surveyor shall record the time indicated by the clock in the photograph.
4:29
